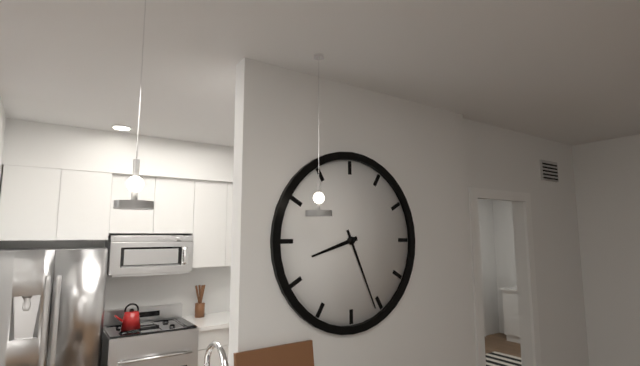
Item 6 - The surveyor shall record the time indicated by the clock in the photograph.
8:26
